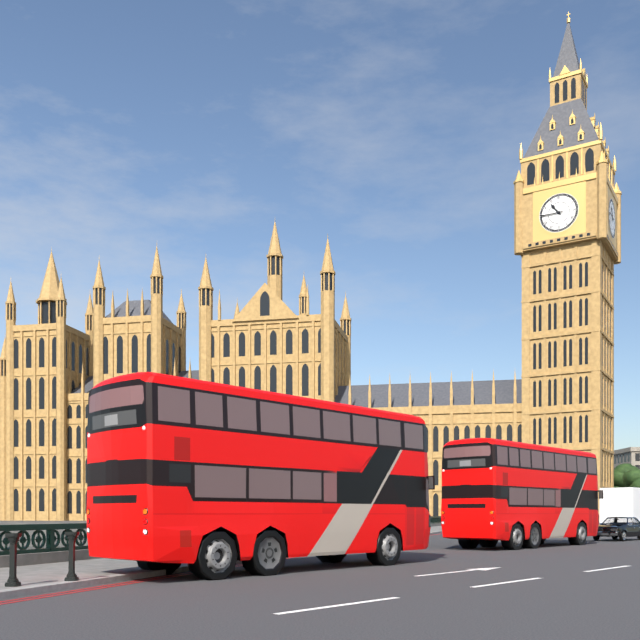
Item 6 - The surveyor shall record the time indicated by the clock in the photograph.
10:45
